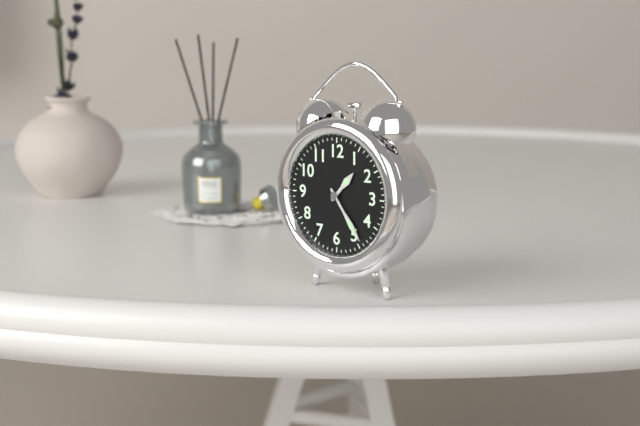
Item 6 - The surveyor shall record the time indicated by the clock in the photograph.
1:24
